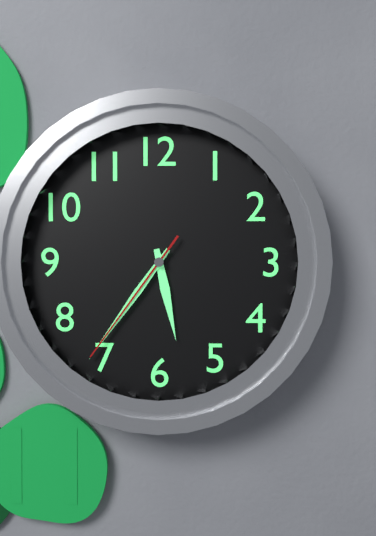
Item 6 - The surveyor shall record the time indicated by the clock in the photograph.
5:36:36
